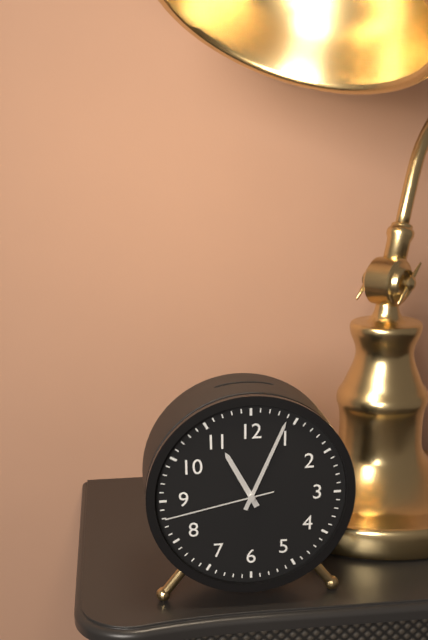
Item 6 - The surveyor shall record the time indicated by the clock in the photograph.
11:04:43
